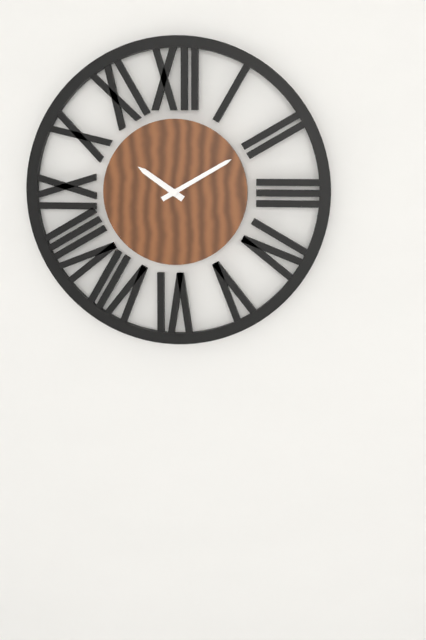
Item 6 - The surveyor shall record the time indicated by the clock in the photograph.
10:10
